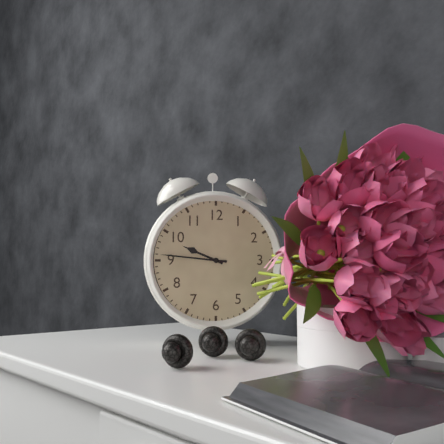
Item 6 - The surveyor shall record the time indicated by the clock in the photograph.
9:46
